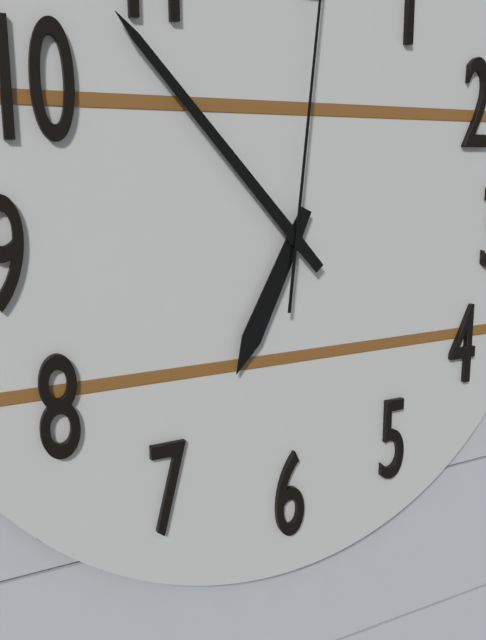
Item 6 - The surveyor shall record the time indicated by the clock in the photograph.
6:53
